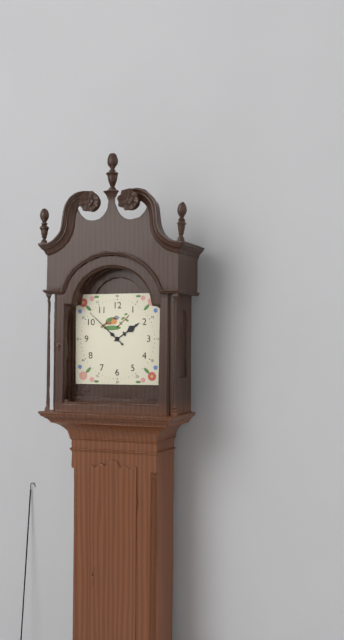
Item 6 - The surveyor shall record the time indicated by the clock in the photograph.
1:52
